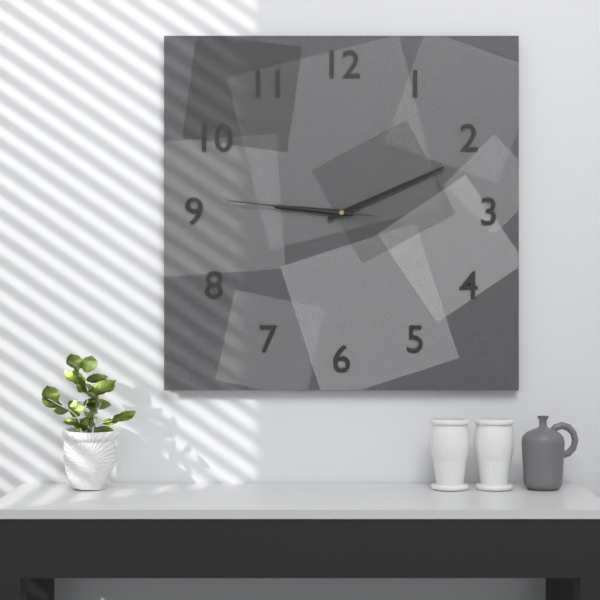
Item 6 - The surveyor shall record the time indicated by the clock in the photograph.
9:11:46
